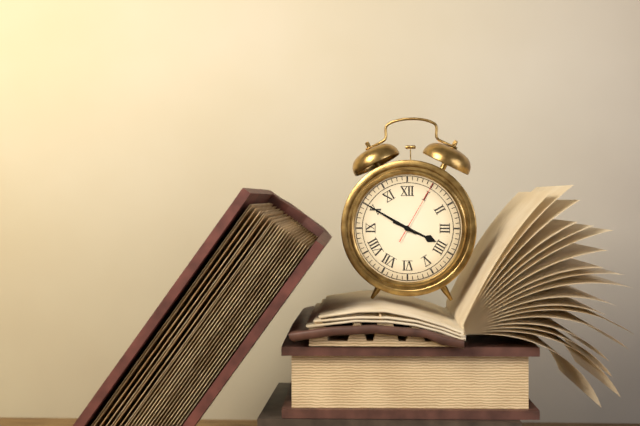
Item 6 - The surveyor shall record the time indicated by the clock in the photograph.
3:50:05
